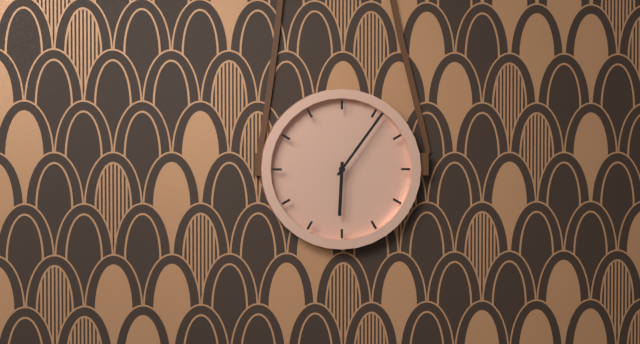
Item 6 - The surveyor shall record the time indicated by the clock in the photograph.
6:06
